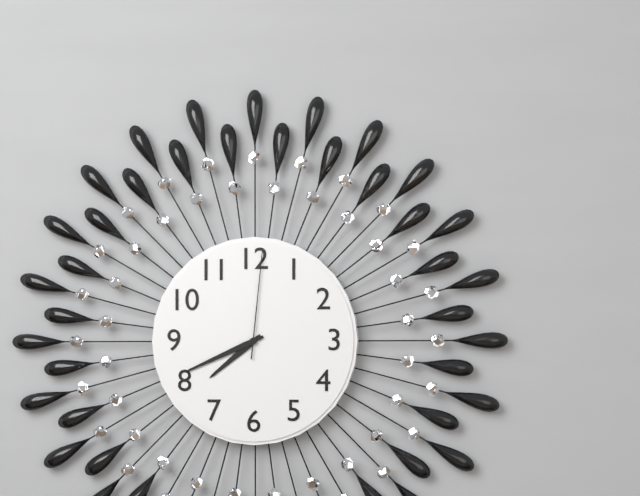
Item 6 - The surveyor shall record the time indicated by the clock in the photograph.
7:41:01
